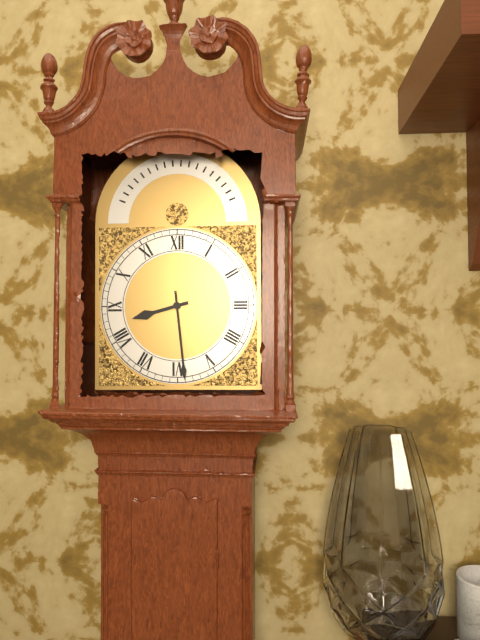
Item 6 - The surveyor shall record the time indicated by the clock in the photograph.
8:29
